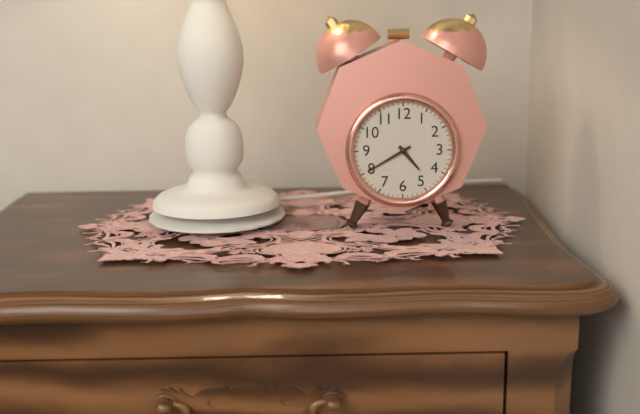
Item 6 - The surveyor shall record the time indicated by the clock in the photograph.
4:40
